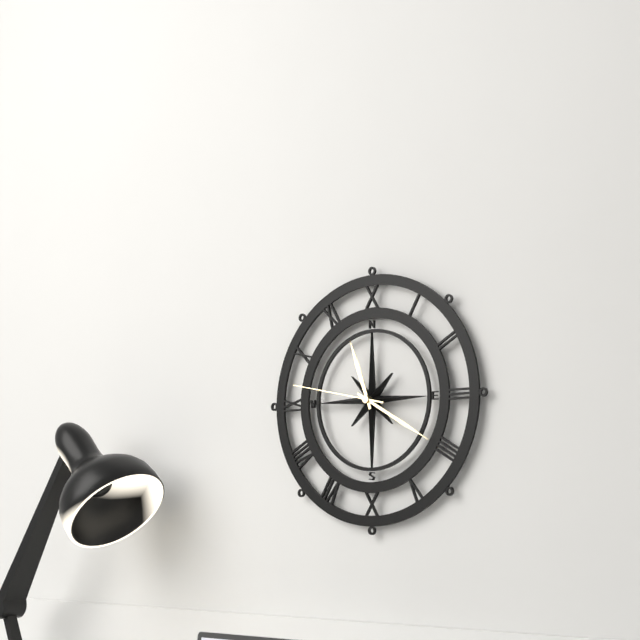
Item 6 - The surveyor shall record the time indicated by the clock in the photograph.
11:20:47
